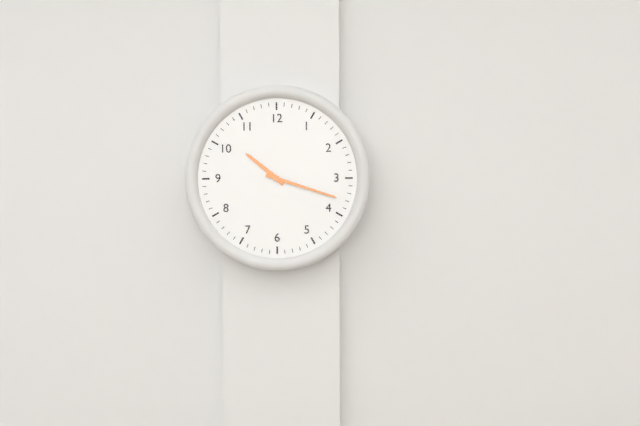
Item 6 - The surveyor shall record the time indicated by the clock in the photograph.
10:18
